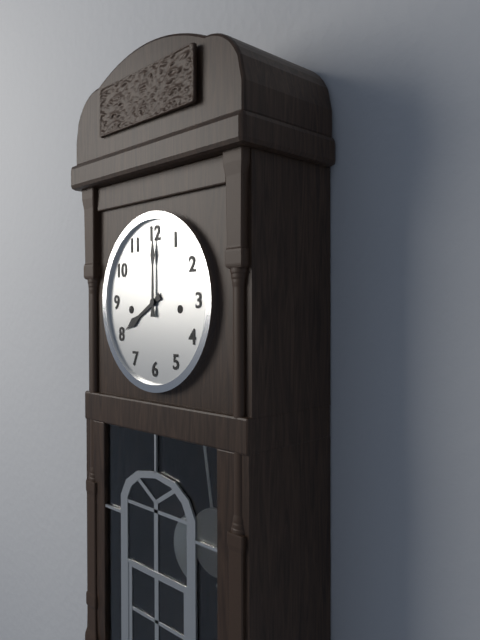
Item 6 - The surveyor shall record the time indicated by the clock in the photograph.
8:00
